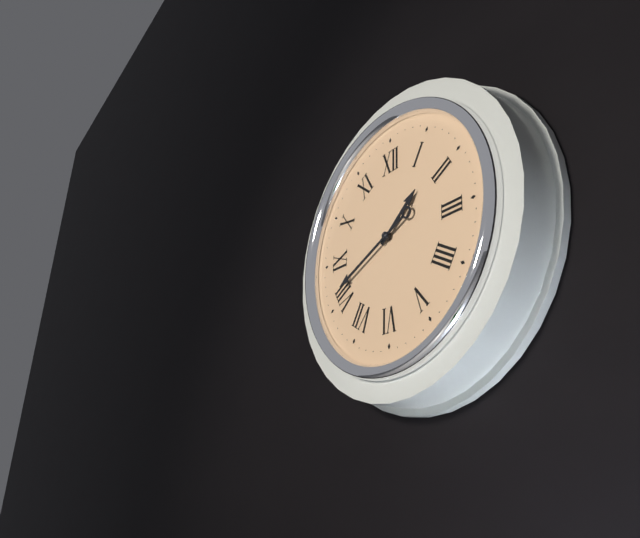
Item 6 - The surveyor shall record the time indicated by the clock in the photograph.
1:41
